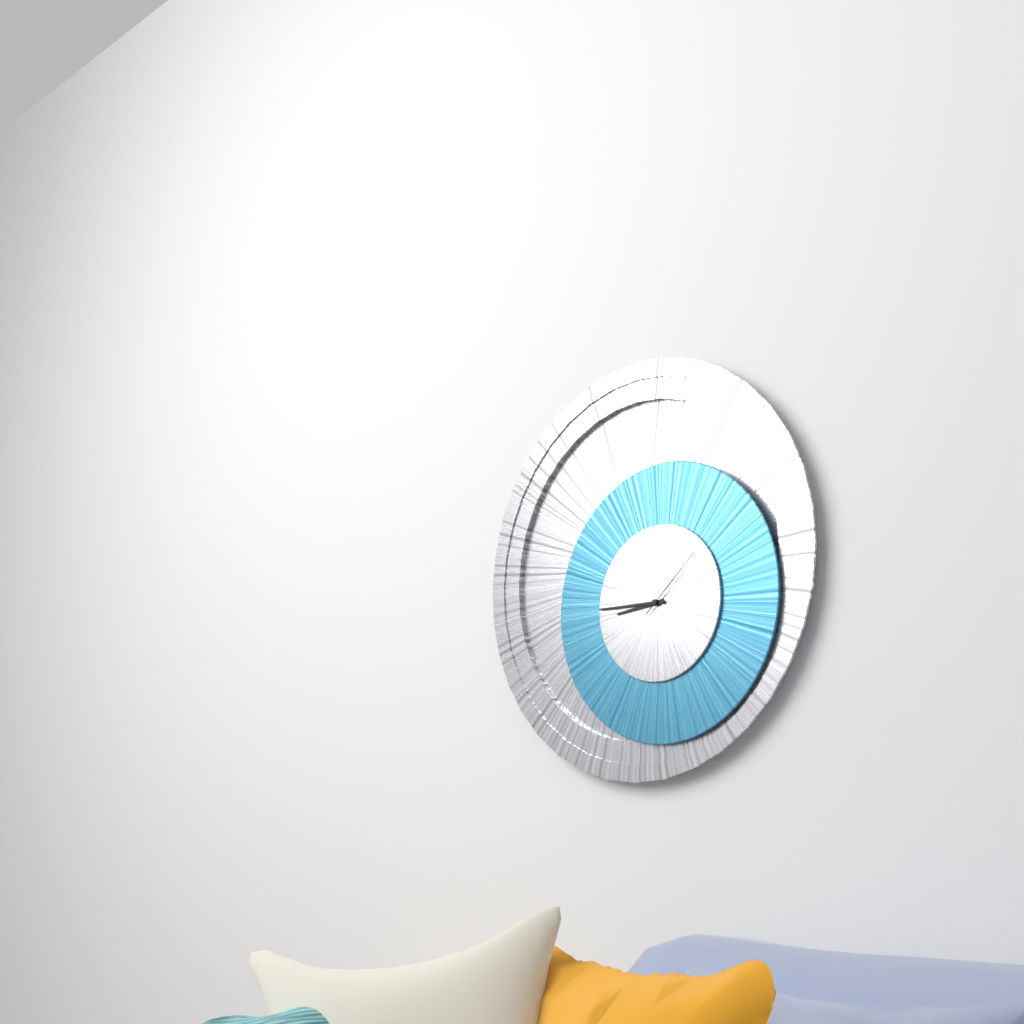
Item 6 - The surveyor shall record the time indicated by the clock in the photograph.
8:45:08
